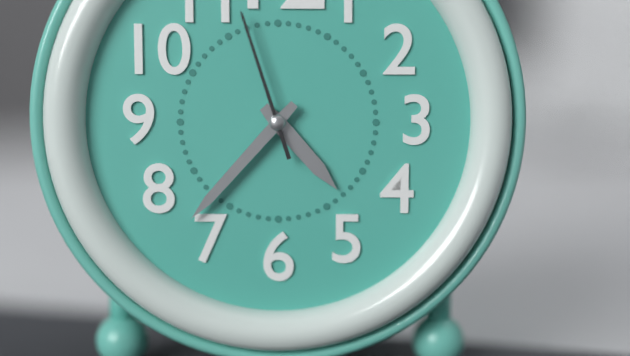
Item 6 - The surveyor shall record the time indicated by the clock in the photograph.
4:37:57
